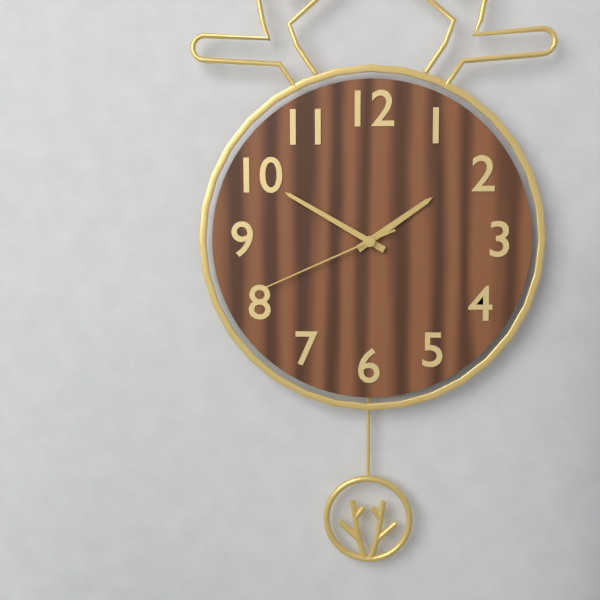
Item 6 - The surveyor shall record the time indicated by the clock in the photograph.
1:50:41
